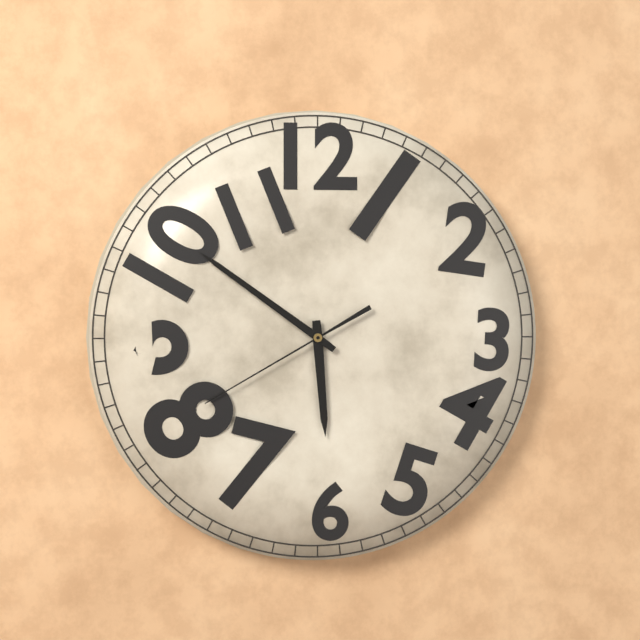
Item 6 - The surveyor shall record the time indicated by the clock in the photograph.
5:51:40
